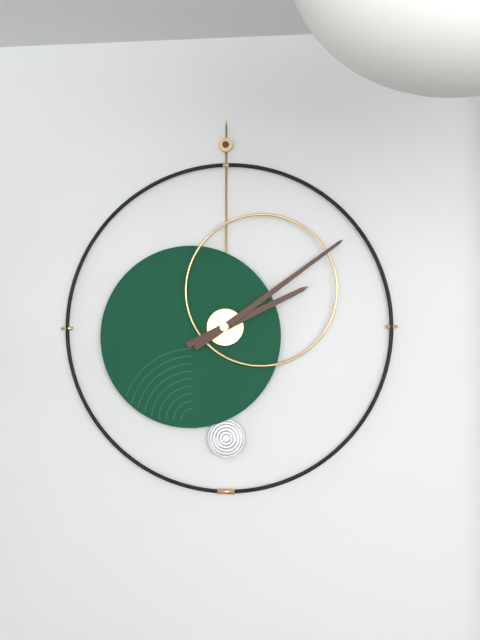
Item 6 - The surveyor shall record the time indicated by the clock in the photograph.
2:09
